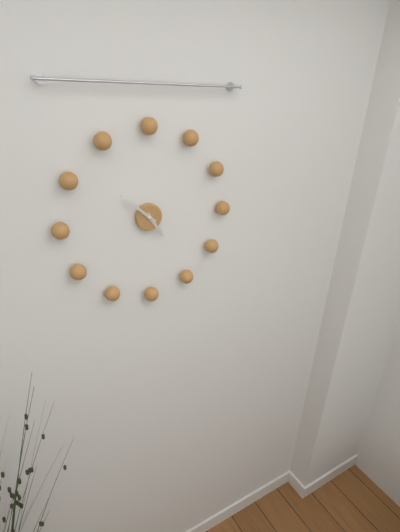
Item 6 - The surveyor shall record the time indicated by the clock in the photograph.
4:52
